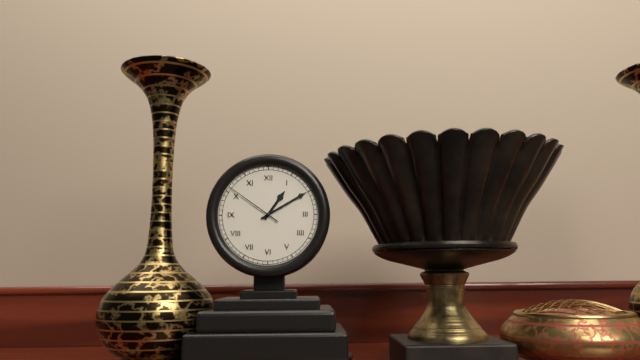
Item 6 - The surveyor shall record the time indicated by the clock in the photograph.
1:10:51
